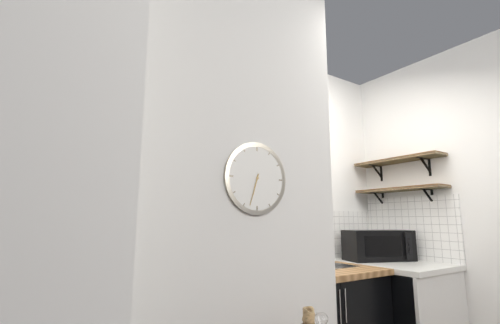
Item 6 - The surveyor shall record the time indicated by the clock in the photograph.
6:33
